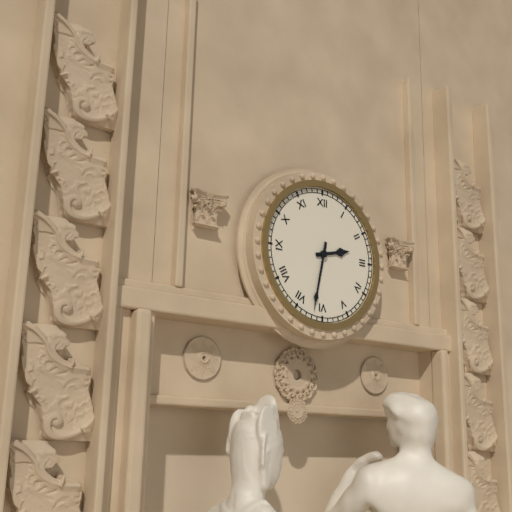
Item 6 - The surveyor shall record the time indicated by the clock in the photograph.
2:32
